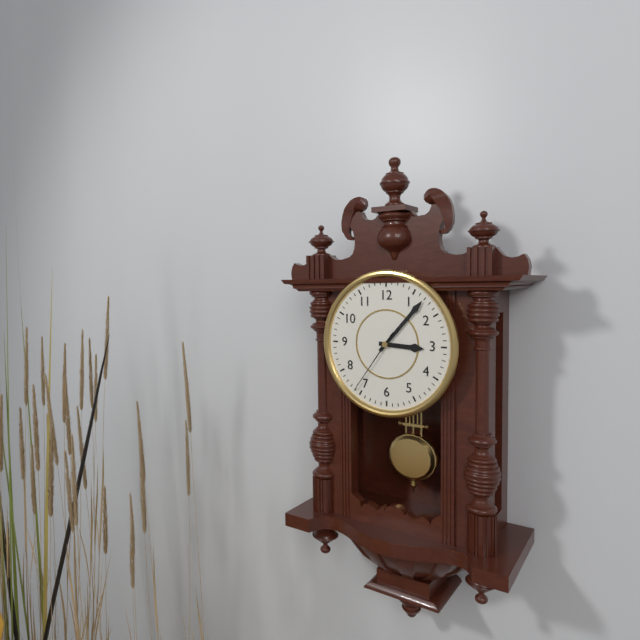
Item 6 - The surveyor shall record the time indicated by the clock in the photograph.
3:07:36
